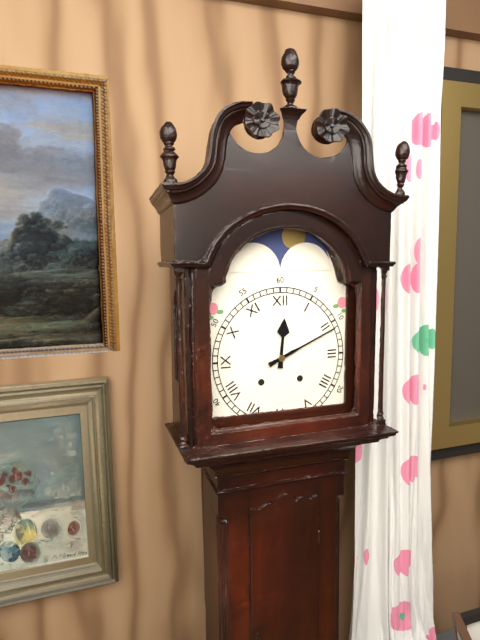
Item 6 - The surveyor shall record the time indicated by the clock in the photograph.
12:11
